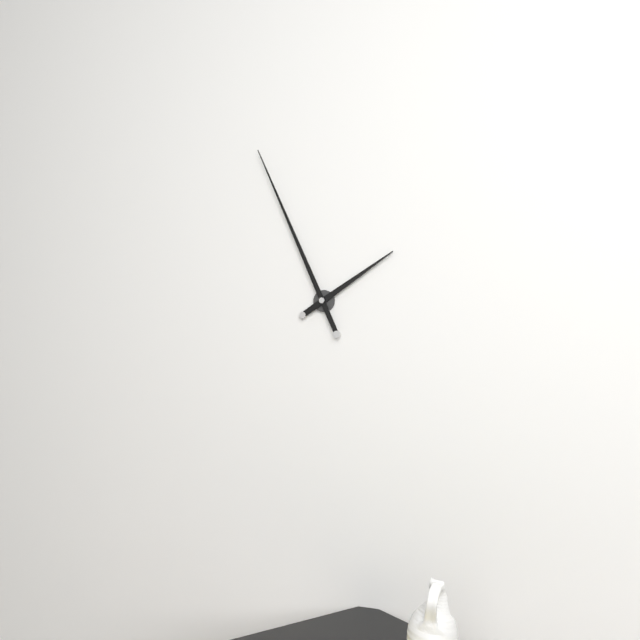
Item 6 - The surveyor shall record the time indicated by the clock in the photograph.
1:56
